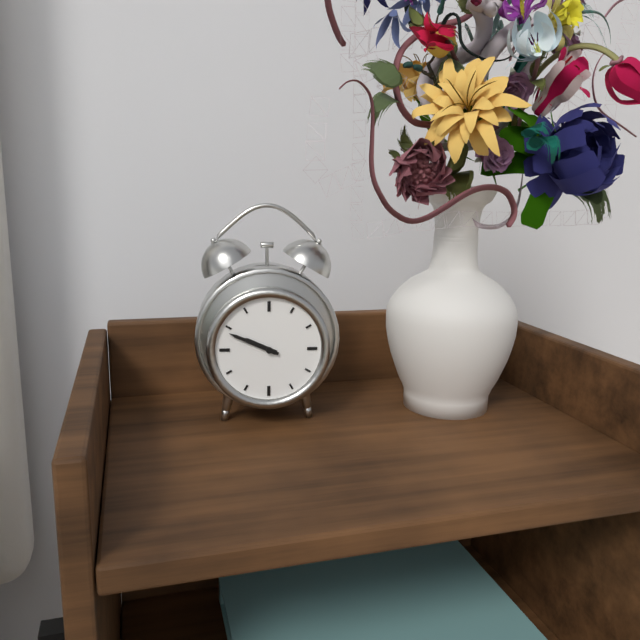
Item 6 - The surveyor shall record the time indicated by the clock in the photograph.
9:49
